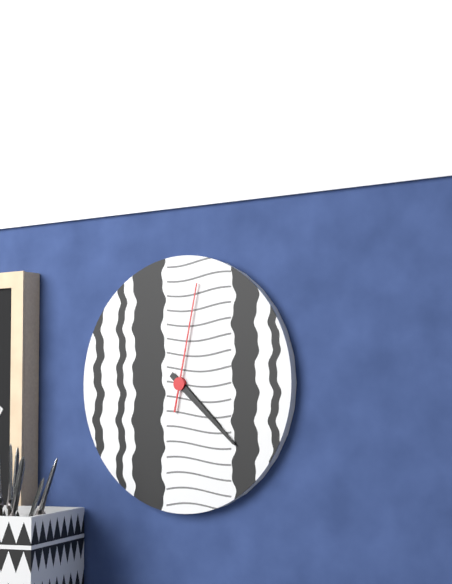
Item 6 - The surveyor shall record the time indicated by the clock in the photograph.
4:22:02
